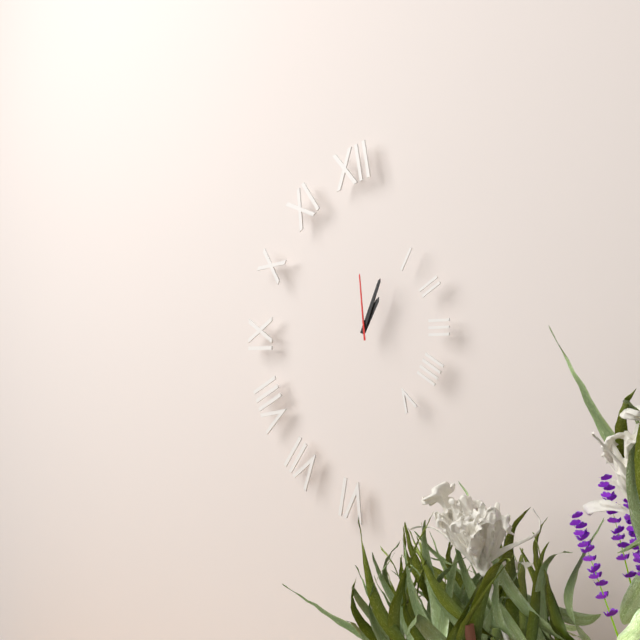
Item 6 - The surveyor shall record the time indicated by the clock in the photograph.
1:04:59
